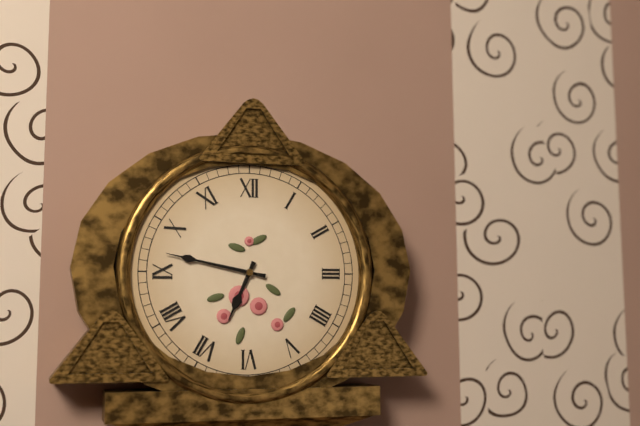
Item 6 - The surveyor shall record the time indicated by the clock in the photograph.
6:47
